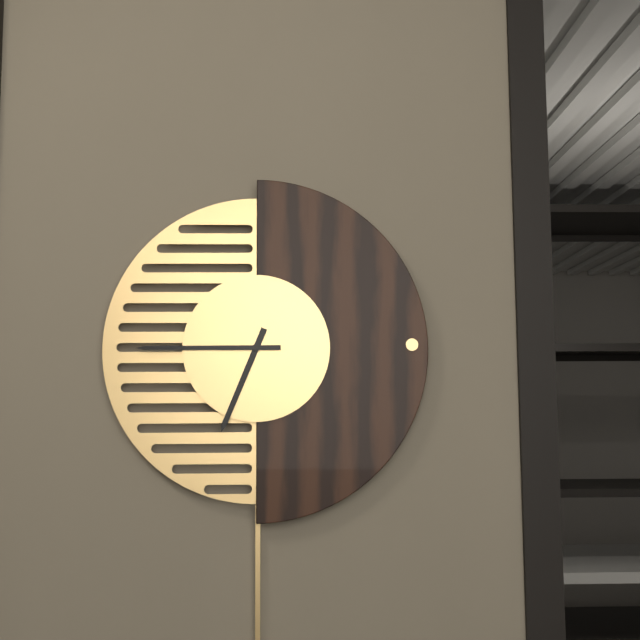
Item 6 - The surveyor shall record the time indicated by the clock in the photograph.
6:45
